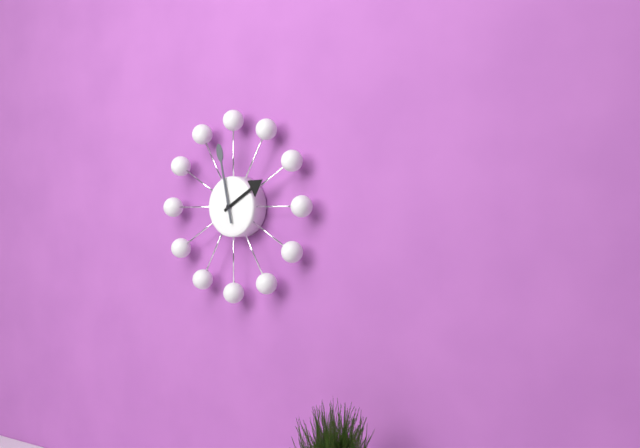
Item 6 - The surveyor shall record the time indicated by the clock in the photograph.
1:58
